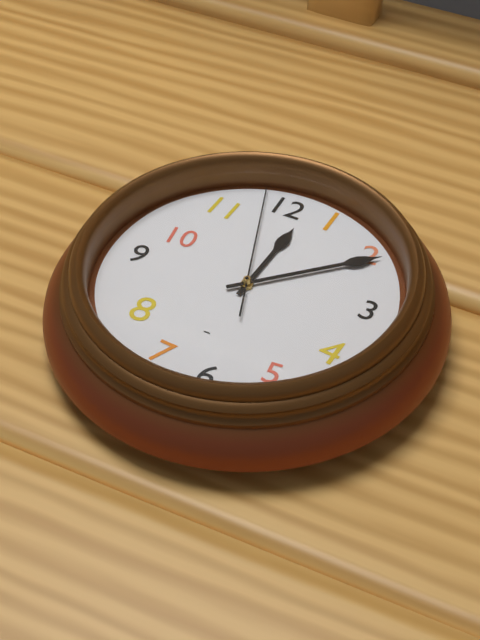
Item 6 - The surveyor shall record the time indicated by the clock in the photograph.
12:08:57
